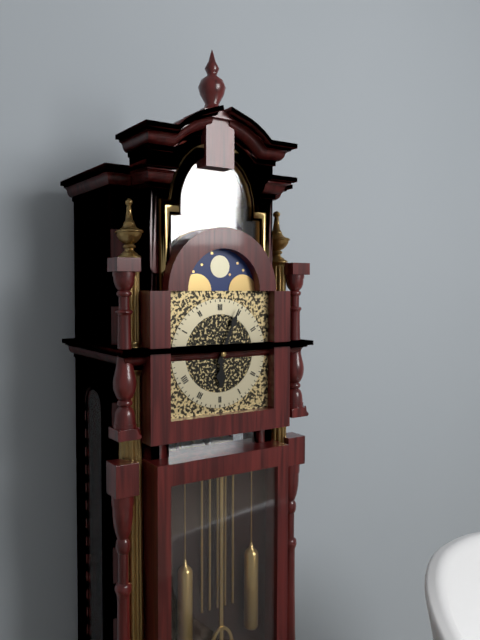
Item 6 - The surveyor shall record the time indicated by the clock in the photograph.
6:04
